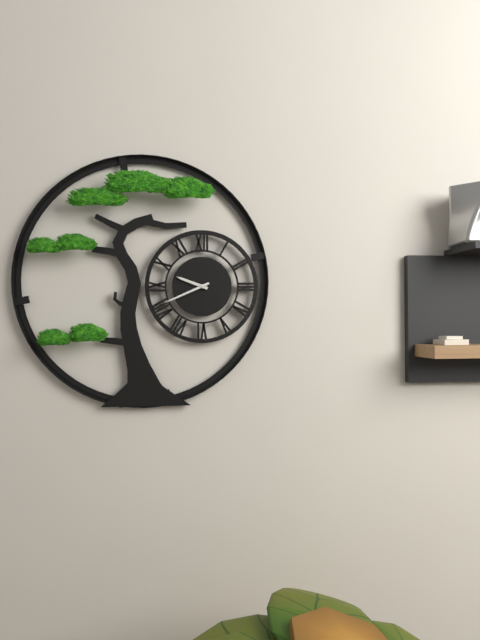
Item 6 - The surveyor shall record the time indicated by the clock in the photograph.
9:41
